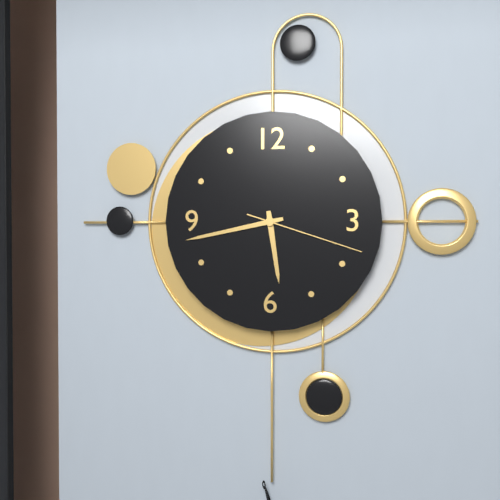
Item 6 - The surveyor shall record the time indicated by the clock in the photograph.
5:43:18
